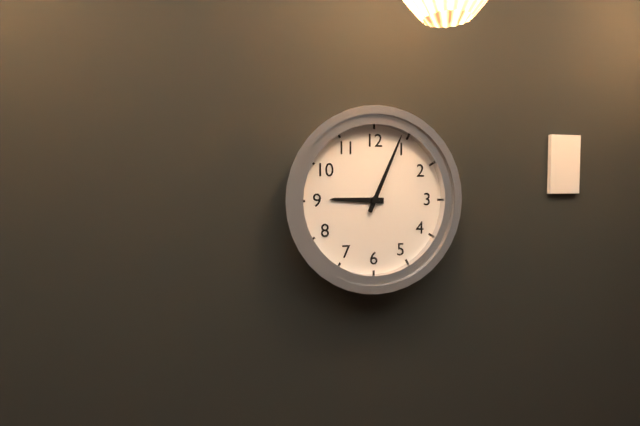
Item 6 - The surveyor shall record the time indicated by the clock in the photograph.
9:04
